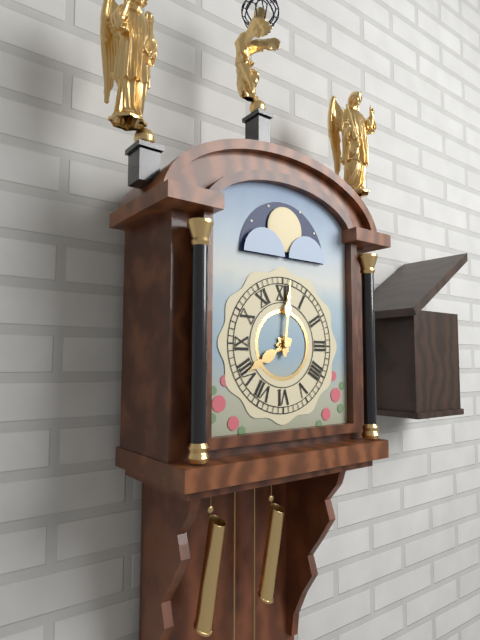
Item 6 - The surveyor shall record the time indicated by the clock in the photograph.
8:01
